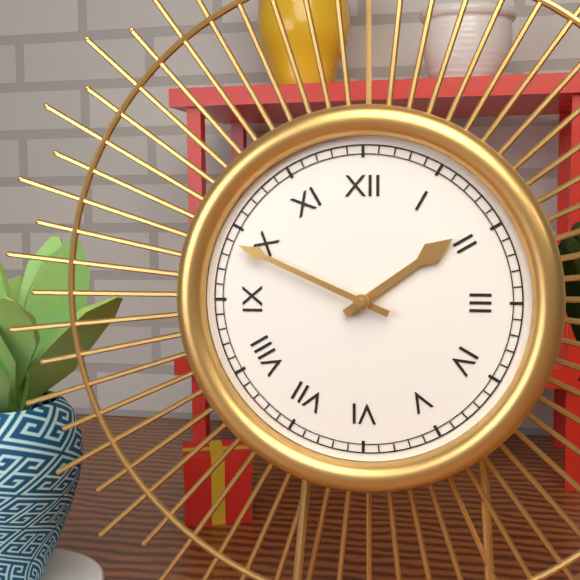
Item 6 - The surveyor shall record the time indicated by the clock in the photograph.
1:49
